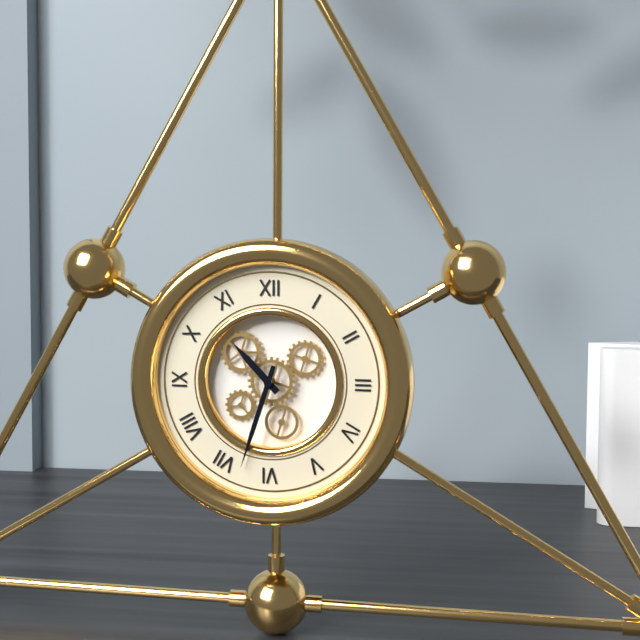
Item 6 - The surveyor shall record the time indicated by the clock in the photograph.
10:33
